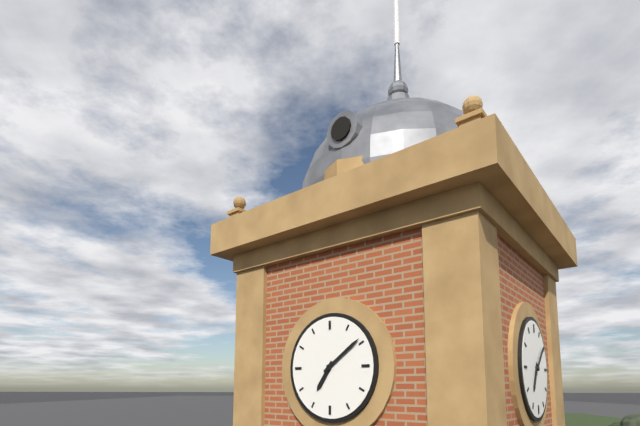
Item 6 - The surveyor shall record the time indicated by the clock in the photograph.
7:09
